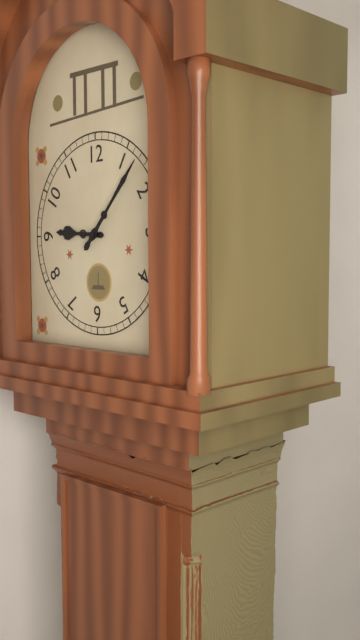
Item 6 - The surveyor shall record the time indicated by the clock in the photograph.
9:07
